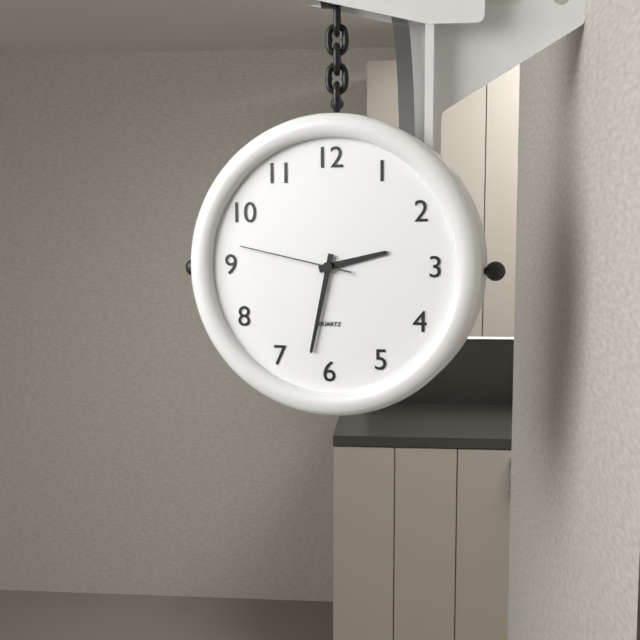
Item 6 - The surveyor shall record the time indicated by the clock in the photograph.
2:32:47
